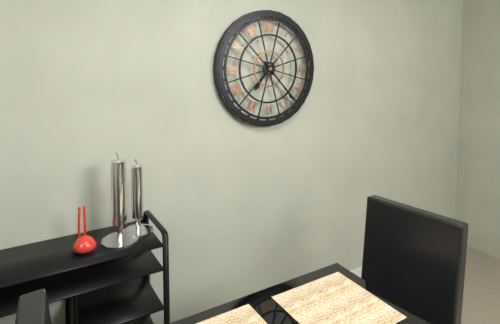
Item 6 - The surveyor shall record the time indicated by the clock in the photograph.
7:23
